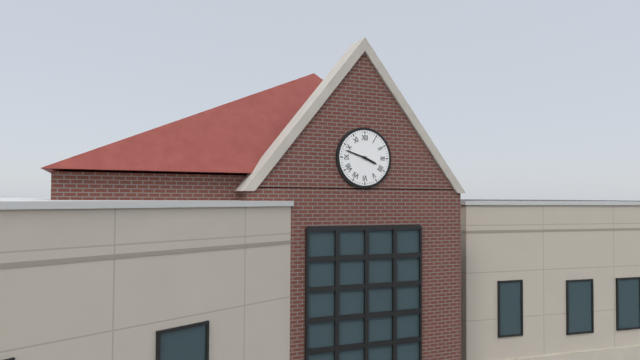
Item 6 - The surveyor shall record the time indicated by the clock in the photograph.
3:48
